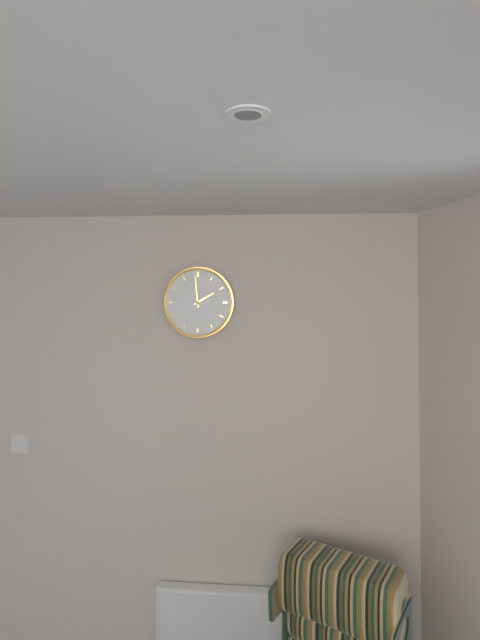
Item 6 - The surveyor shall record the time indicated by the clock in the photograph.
1:59
